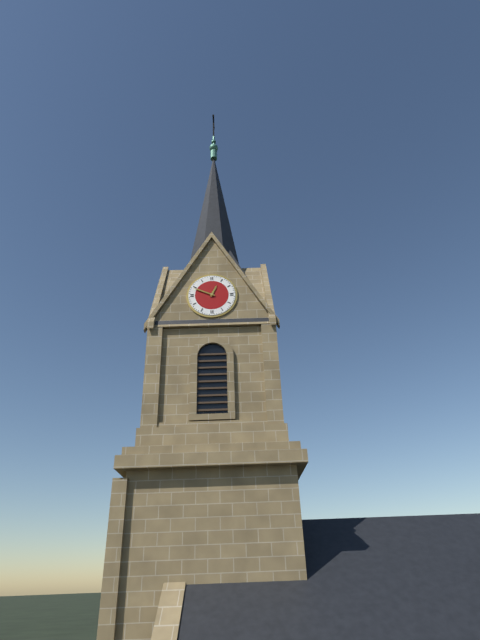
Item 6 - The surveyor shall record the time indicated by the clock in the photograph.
12:49
